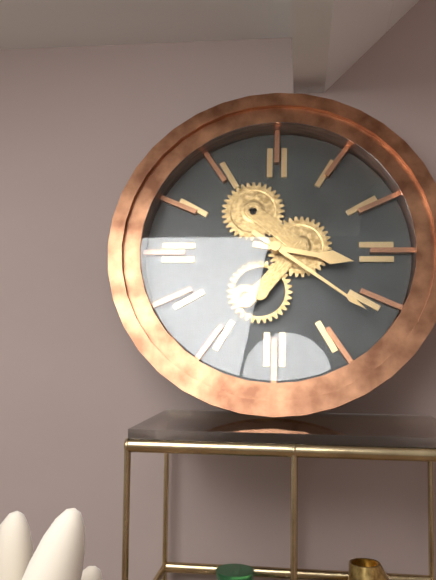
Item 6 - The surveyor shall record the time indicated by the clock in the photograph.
3:21
